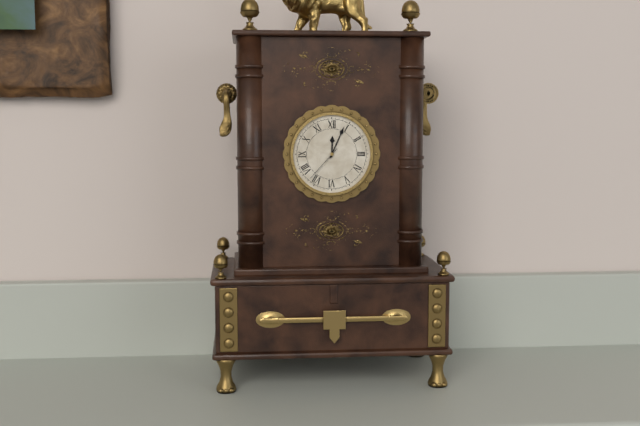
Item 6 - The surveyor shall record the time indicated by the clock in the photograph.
12:04
